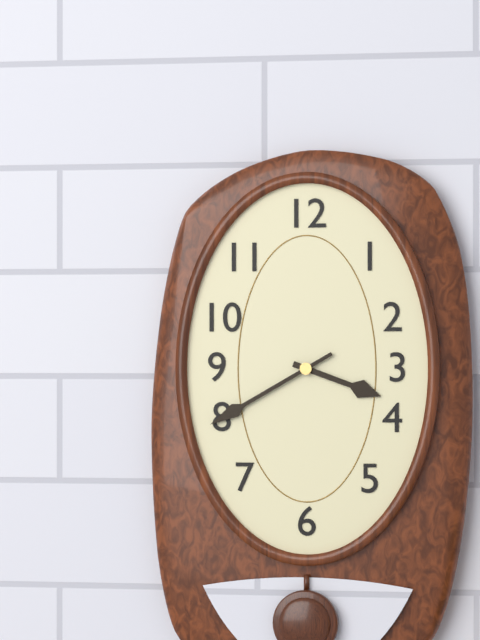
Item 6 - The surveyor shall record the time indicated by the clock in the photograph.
3:40
